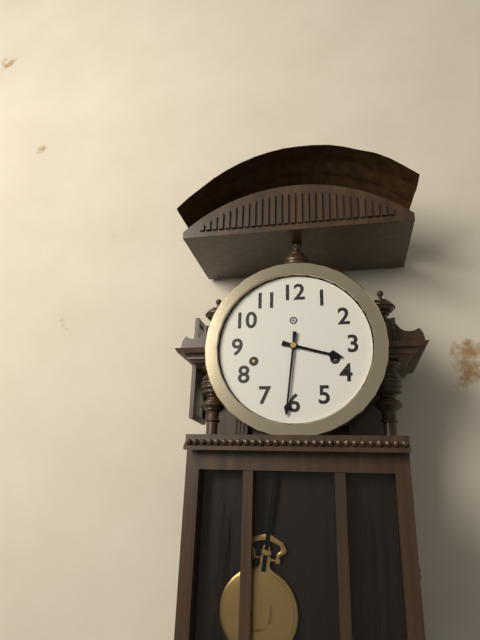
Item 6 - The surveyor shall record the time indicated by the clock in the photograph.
3:31
